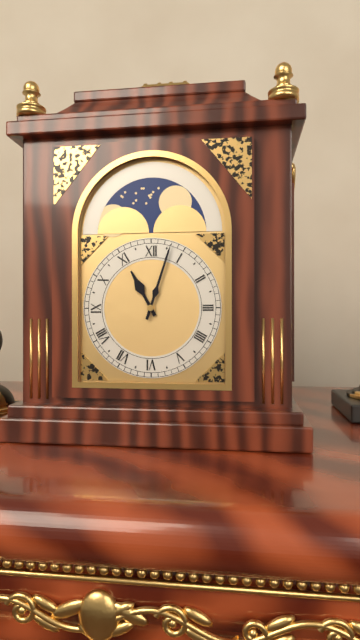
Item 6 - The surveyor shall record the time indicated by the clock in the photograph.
11:03
